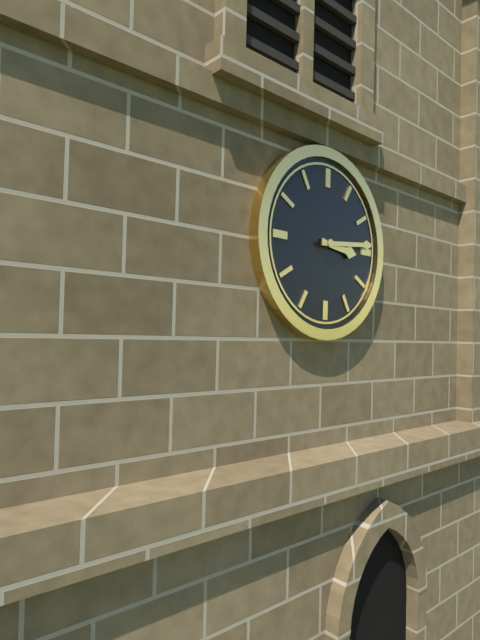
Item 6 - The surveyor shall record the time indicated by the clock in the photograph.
3:14
